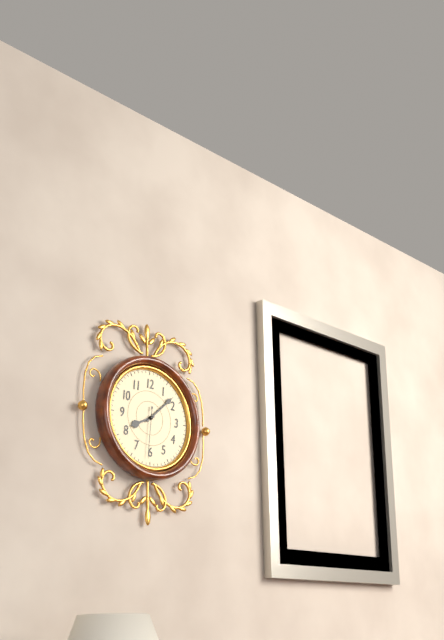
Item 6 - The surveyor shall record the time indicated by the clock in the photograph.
8:08:31
